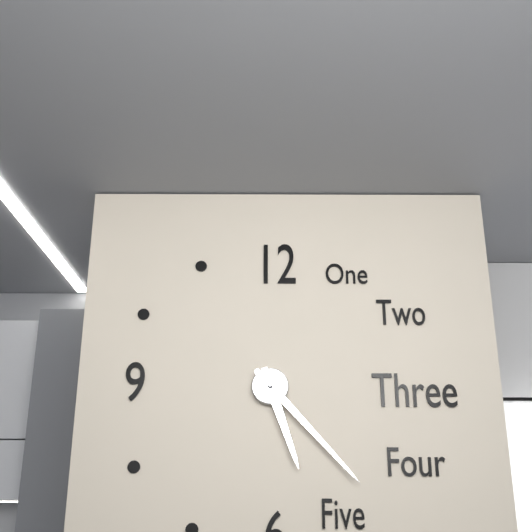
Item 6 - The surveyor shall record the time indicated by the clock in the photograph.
5:23
